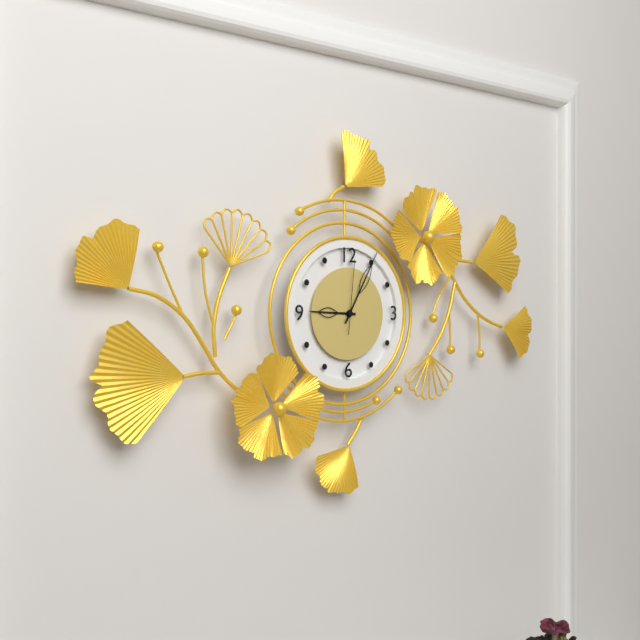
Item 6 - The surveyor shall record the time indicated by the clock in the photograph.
9:05:01
